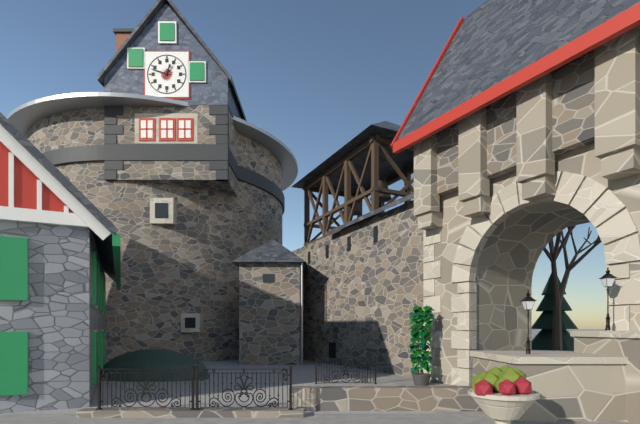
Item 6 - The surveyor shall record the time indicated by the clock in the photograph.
12:48
